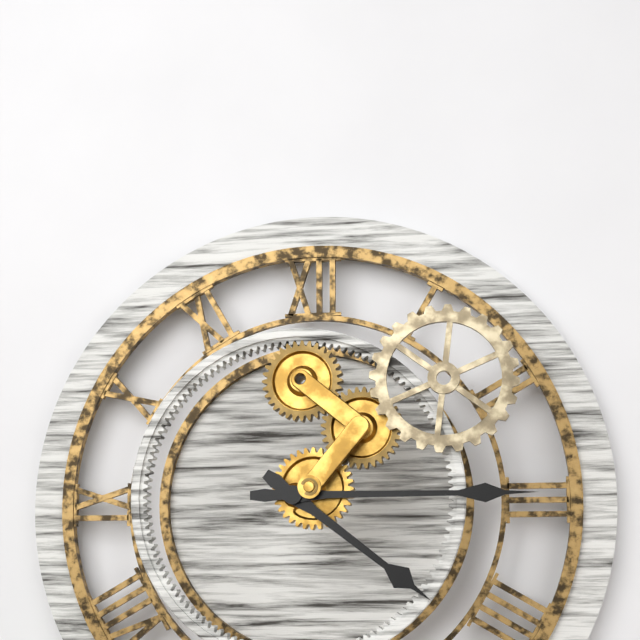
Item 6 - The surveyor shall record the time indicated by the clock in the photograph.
4:15
